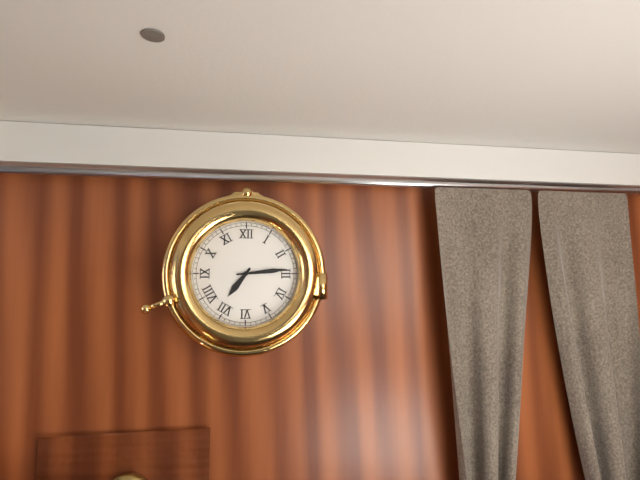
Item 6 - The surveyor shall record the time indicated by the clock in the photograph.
7:14
